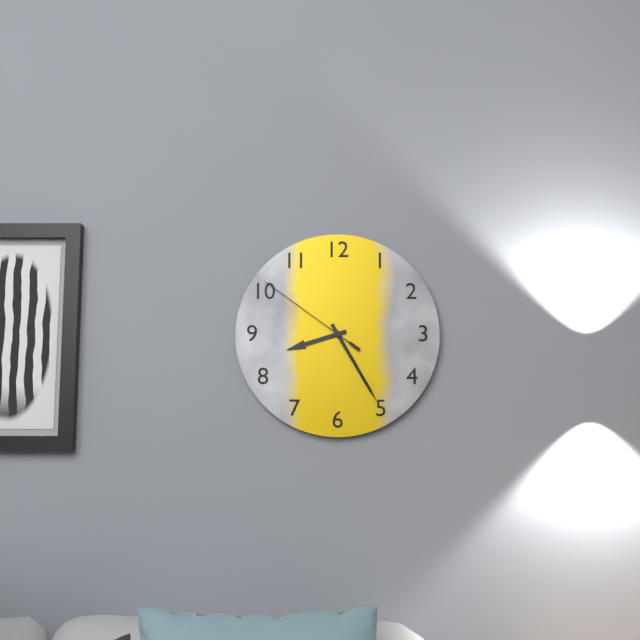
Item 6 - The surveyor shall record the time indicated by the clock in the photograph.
8:25:51
